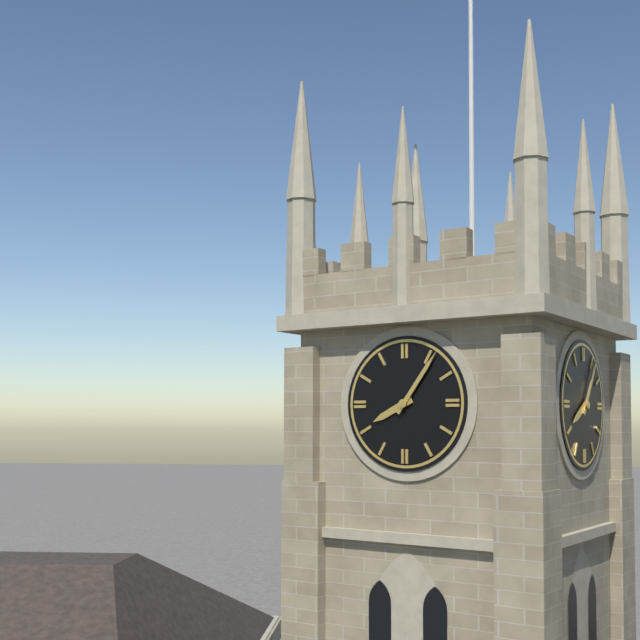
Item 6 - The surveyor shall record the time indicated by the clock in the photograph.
8:06
